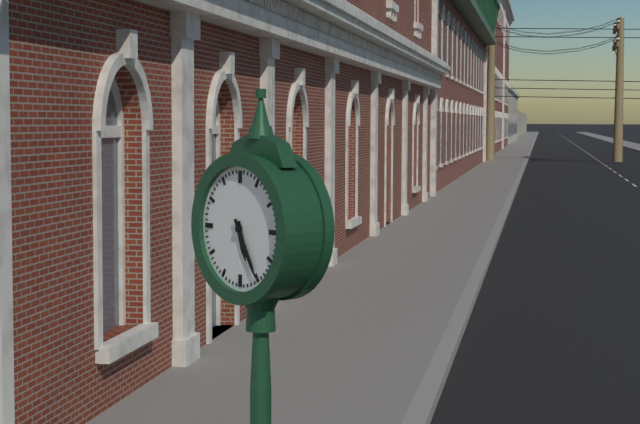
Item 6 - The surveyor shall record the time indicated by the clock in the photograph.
5:25
